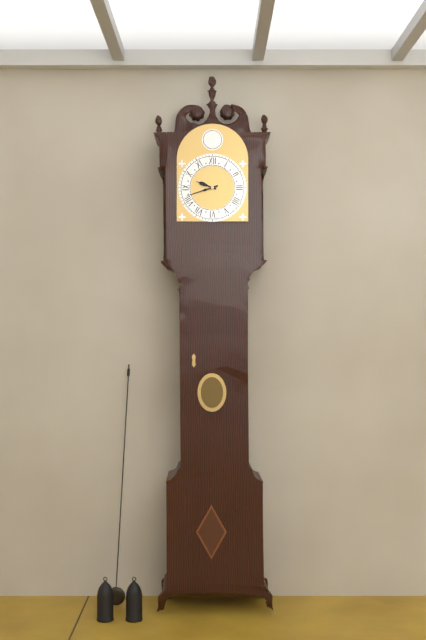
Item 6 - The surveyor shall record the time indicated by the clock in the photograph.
9:42
